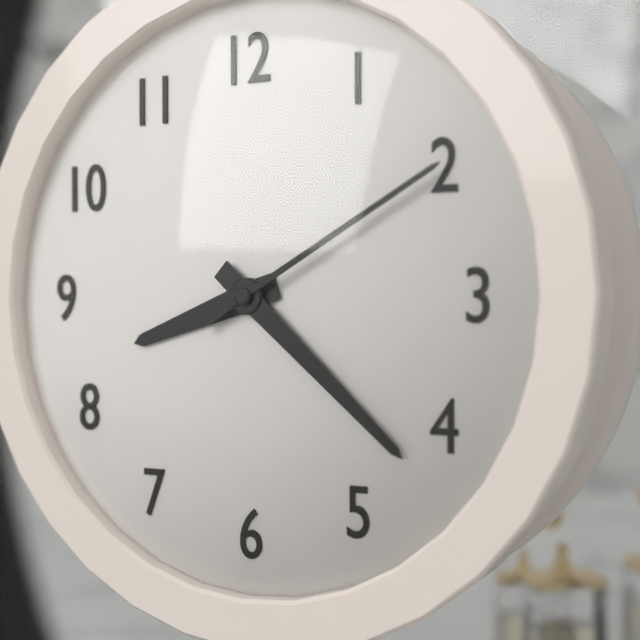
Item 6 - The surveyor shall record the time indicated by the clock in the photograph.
8:22:10
